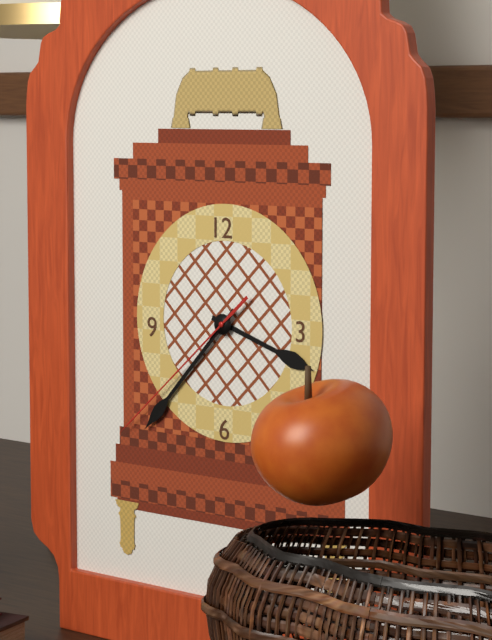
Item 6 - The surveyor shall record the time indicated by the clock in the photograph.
3:37:38
